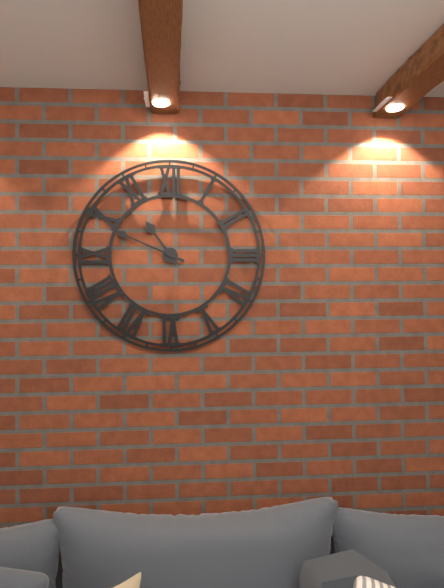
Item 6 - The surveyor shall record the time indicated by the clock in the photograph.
10:49
